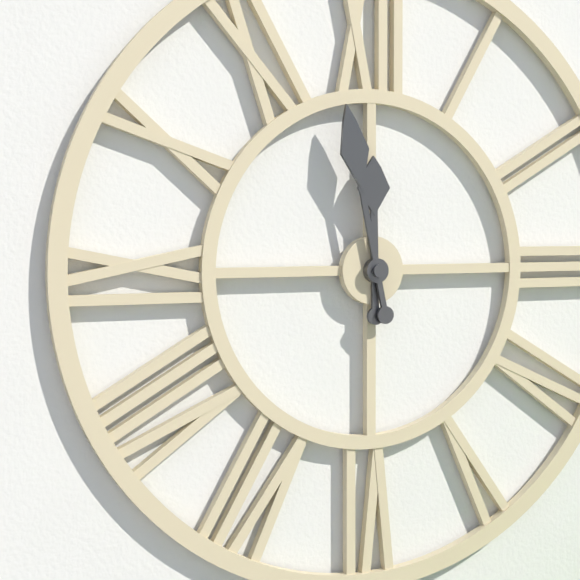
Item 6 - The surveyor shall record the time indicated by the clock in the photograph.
11:58
